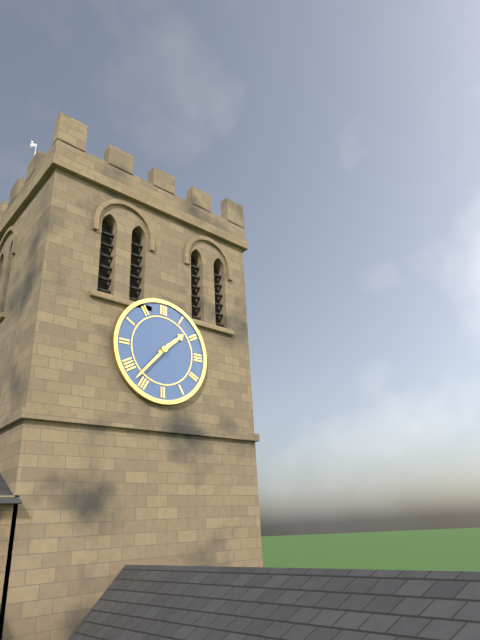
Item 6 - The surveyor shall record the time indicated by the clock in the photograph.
1:37
